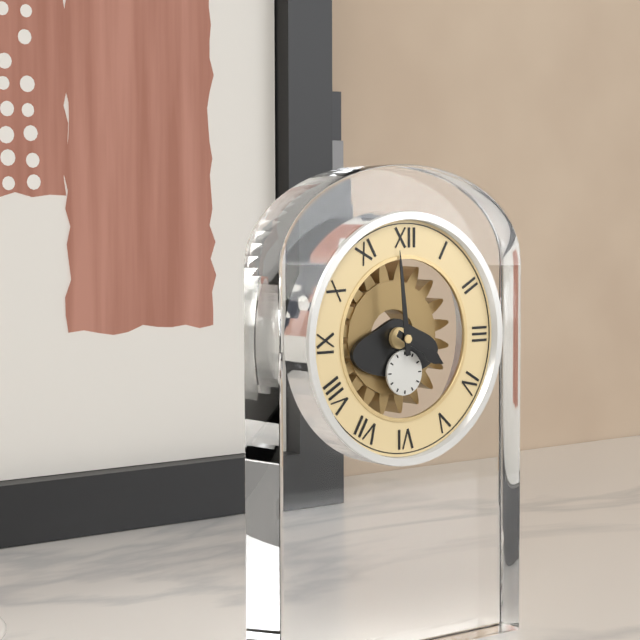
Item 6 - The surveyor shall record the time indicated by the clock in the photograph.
3:59
